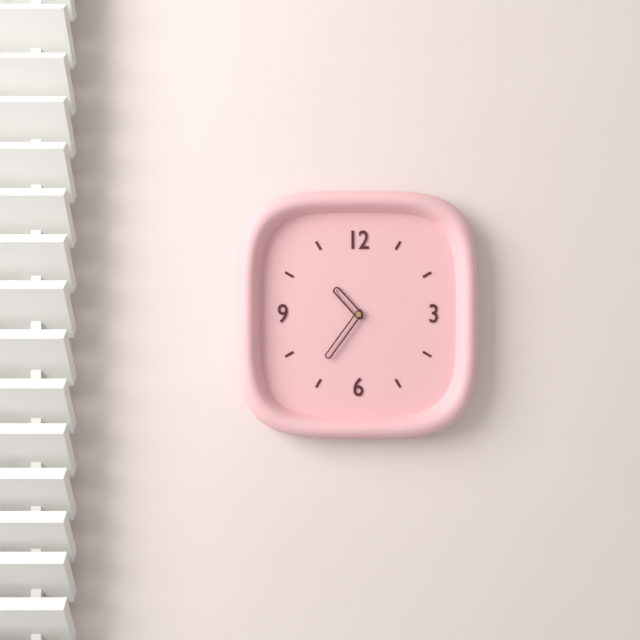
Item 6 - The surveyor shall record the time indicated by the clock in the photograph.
10:36
